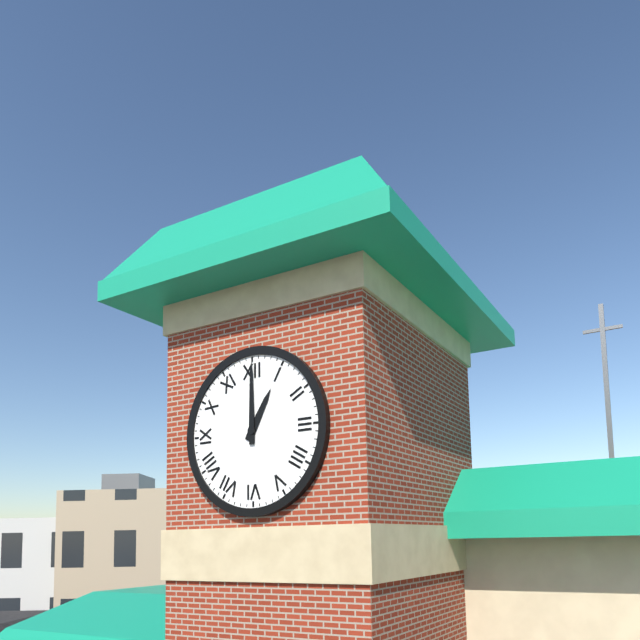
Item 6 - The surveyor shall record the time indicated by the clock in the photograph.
1:00
